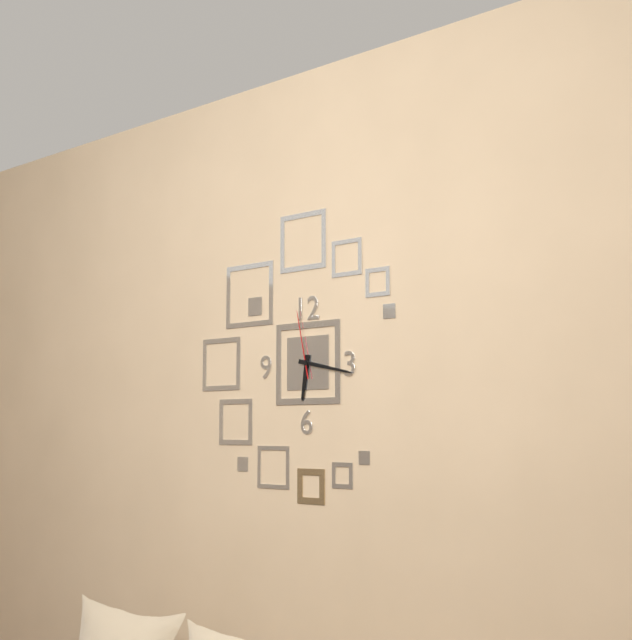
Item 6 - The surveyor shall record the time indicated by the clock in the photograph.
6:17:58
